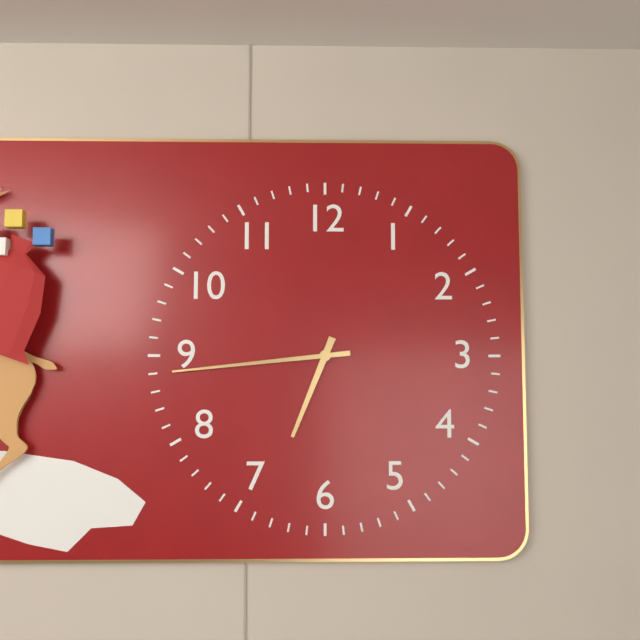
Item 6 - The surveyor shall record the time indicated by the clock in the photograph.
6:44
